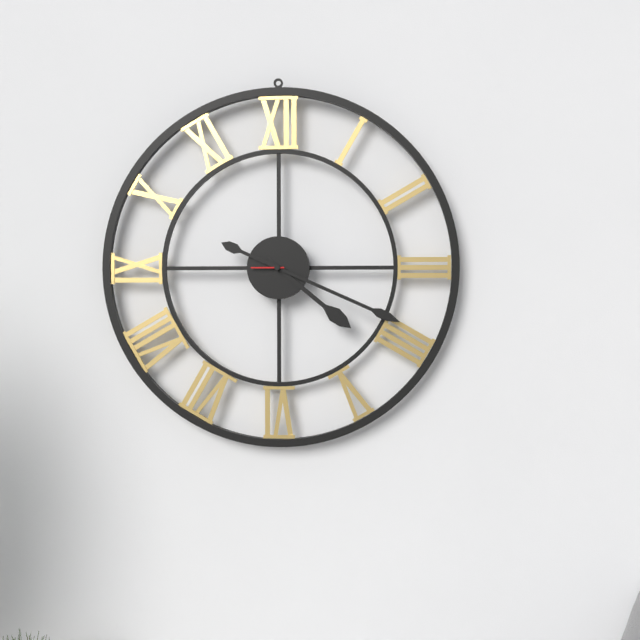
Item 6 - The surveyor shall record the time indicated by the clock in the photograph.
4:19
